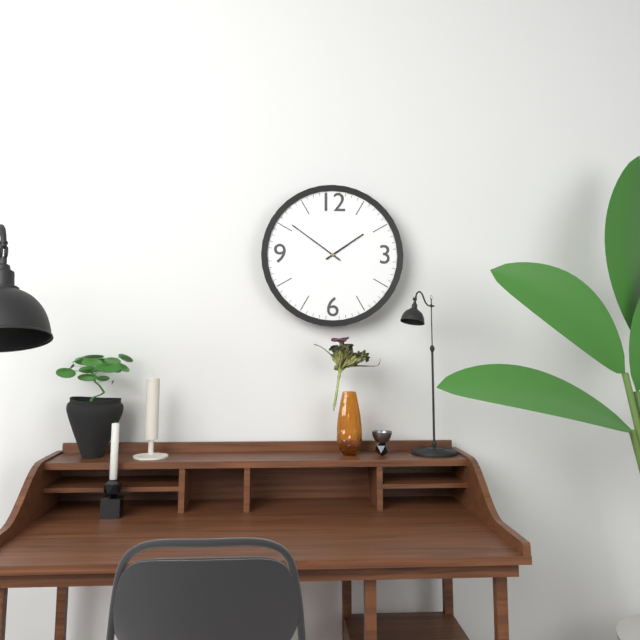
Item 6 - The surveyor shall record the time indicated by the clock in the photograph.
1:51
